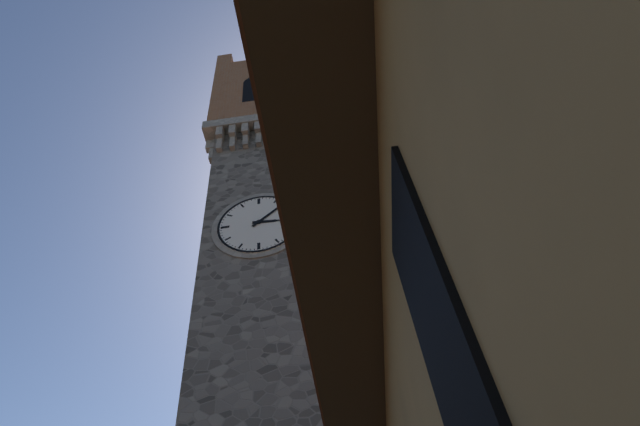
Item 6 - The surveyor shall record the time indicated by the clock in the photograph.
3:08
